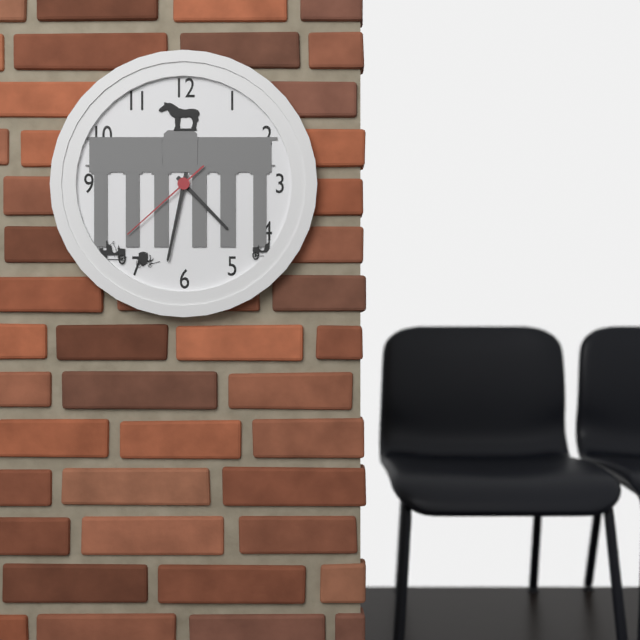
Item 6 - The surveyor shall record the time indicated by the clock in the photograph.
4:32:38
